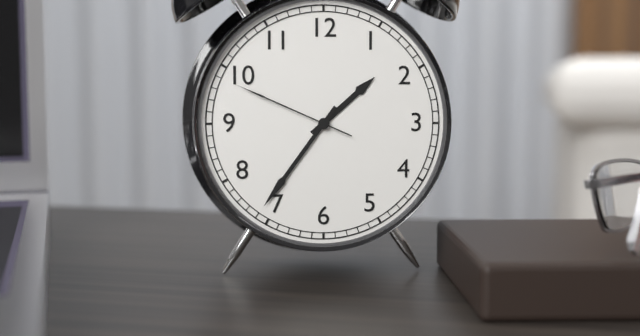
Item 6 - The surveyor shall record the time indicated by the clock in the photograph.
1:36:49
